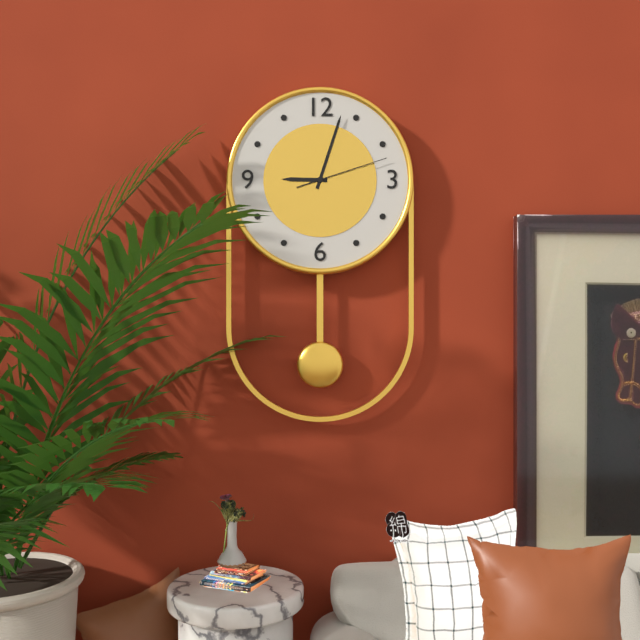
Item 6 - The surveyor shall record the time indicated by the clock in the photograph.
9:03:12
